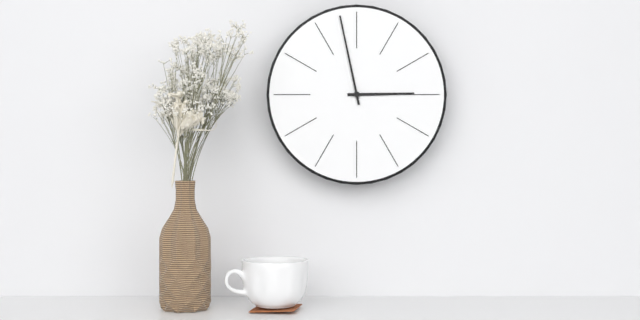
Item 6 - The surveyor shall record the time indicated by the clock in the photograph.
2:58
